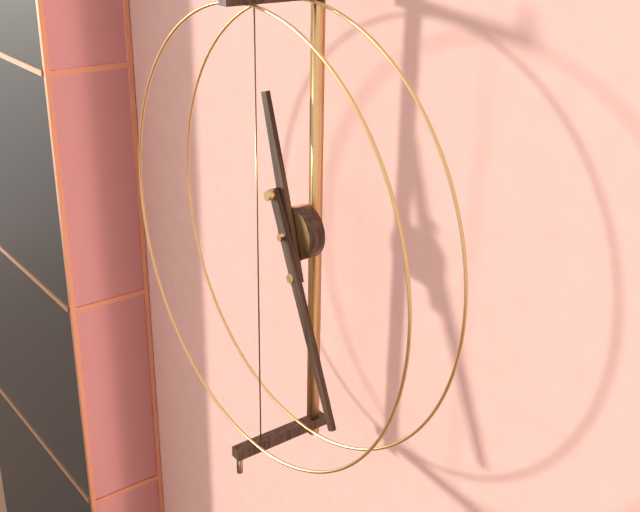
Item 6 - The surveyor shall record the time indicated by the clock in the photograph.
11:26
